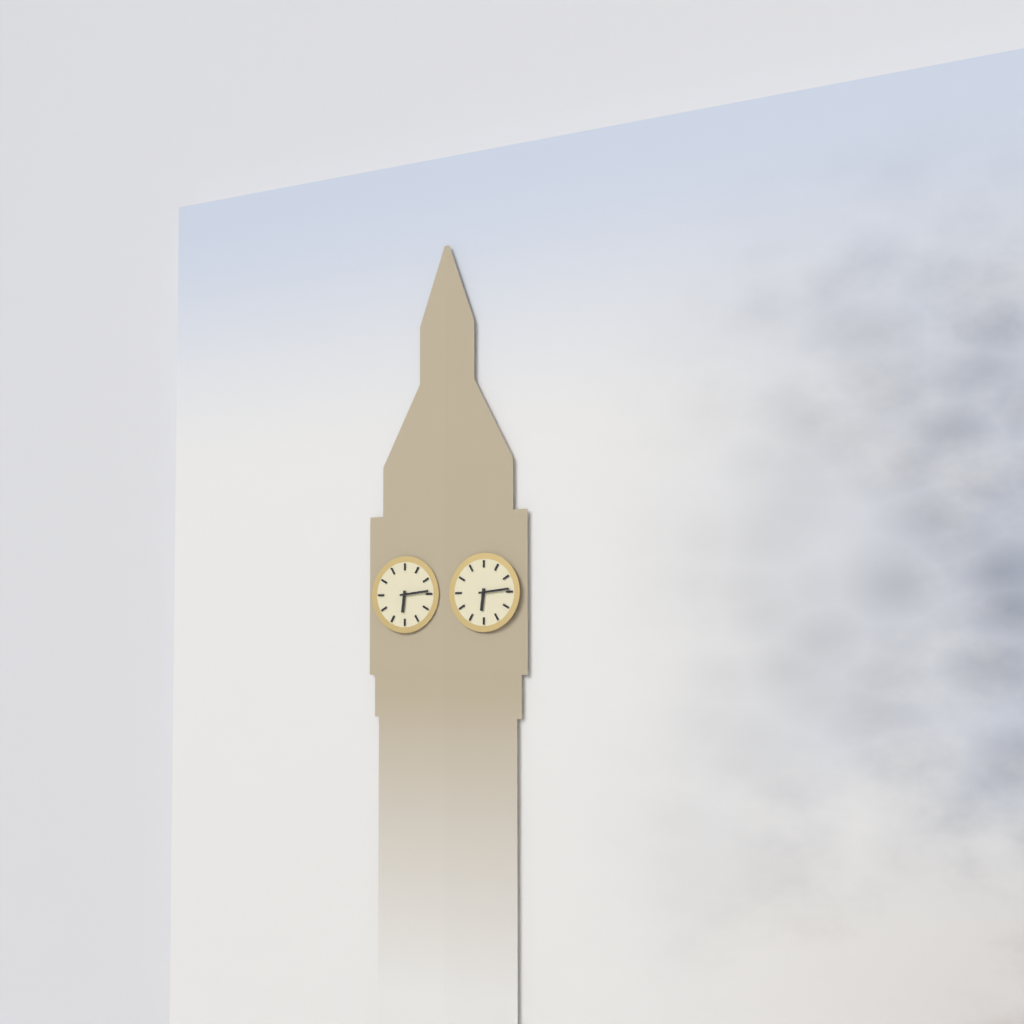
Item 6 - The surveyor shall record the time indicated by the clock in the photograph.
6:14
